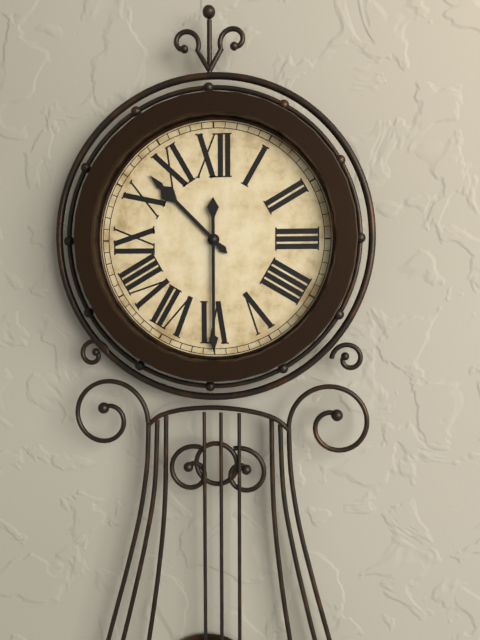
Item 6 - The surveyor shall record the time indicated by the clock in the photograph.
10:30
